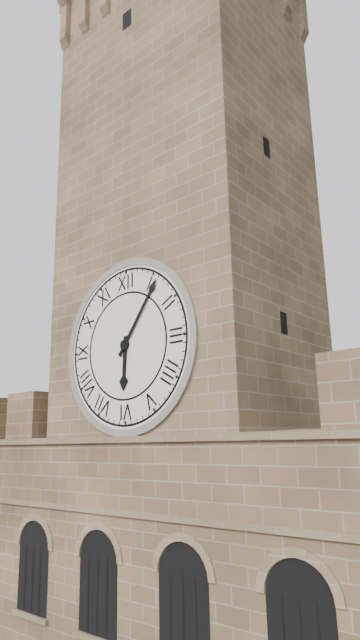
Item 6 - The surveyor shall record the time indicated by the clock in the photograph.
6:06
